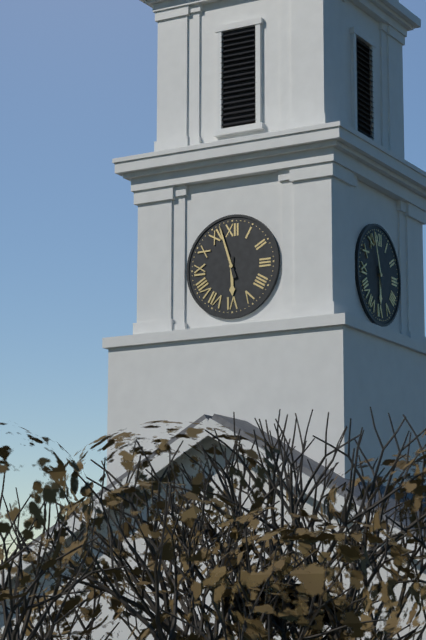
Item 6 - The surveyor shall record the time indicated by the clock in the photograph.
5:57
